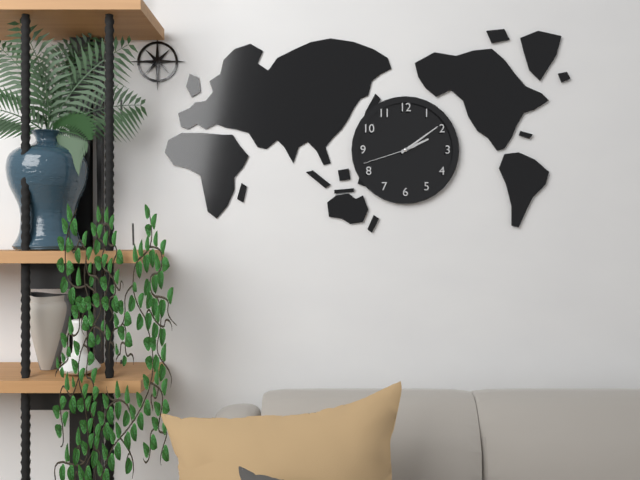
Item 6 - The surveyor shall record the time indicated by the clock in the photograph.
2:09:42
